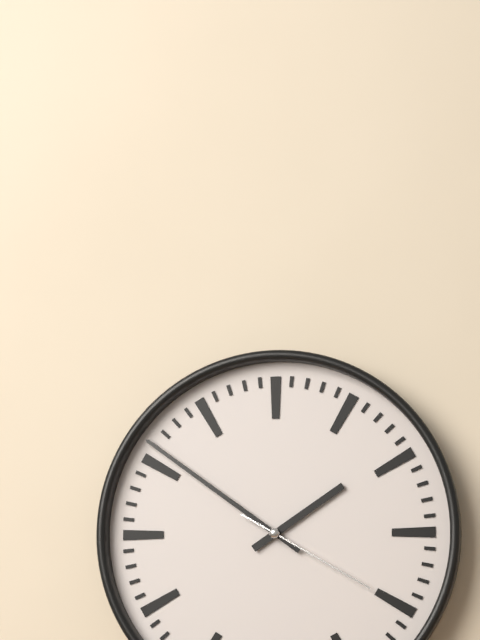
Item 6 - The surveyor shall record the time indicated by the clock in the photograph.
1:51:20
